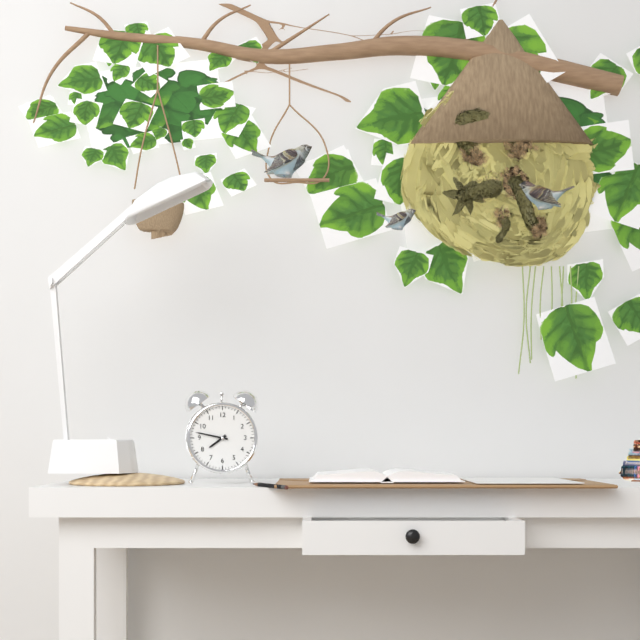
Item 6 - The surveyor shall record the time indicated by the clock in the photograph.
7:47
